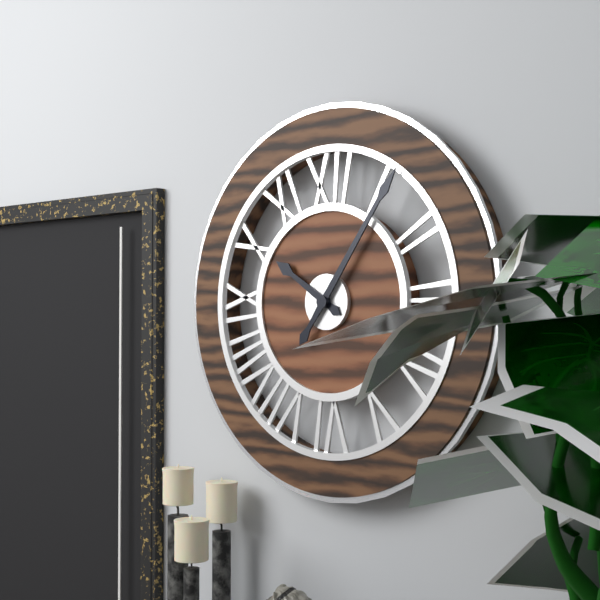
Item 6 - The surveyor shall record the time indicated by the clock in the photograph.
10:06
